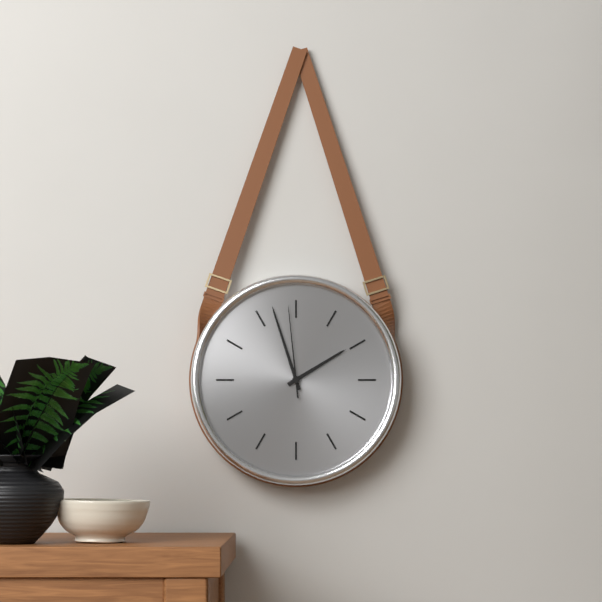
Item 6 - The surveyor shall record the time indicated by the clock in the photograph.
1:57:59
